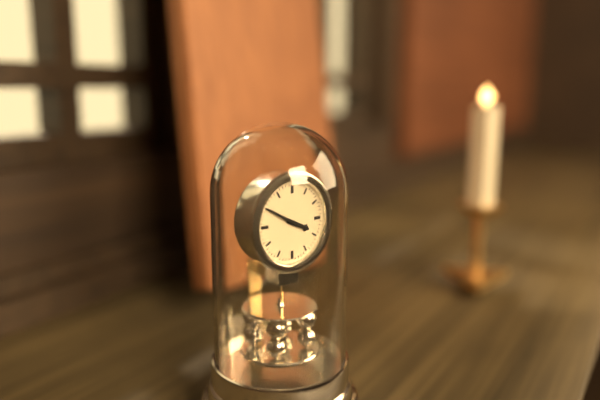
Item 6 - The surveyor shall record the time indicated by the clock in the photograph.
3:50
